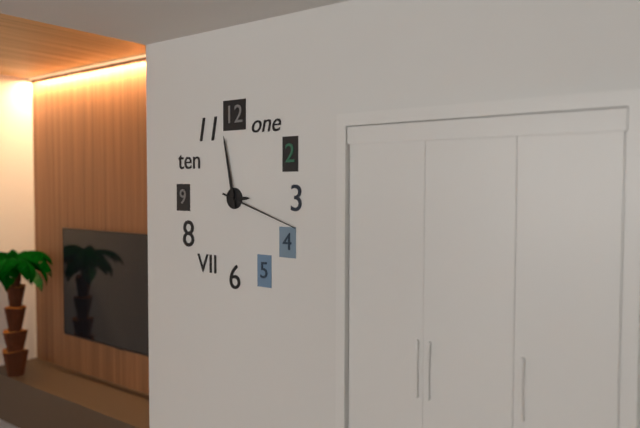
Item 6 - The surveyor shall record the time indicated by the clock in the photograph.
2:58:18
